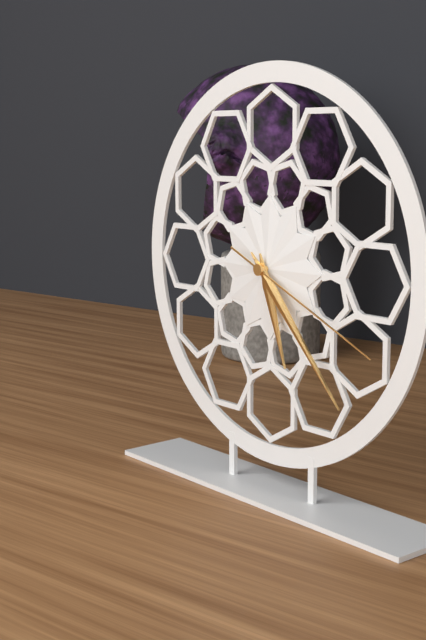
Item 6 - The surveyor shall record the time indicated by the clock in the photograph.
5:23:19
